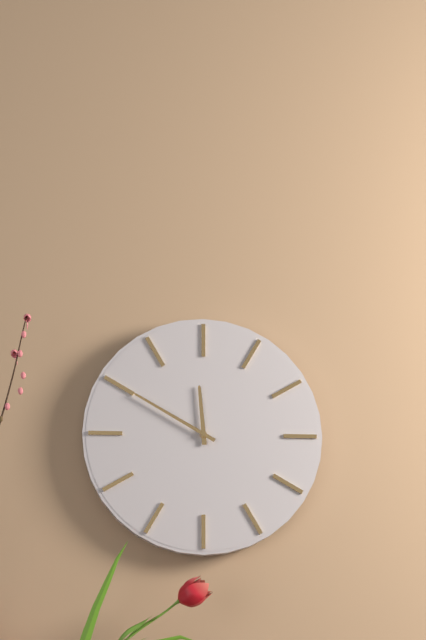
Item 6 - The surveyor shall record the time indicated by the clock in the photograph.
11:50
